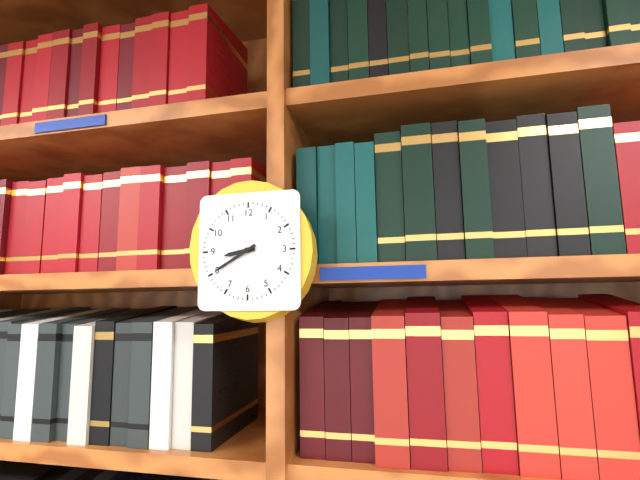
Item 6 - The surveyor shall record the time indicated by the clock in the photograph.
8:40
